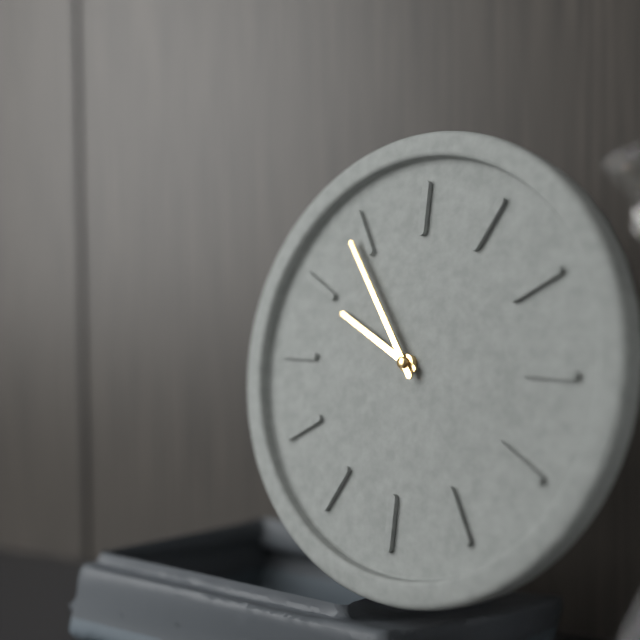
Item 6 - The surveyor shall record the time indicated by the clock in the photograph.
9:54
